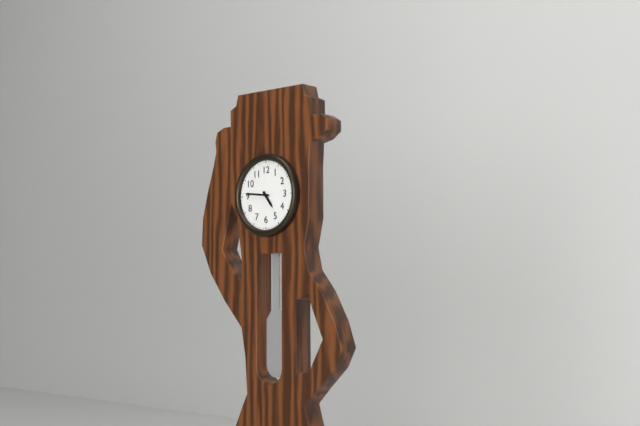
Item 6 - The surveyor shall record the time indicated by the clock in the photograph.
4:46
